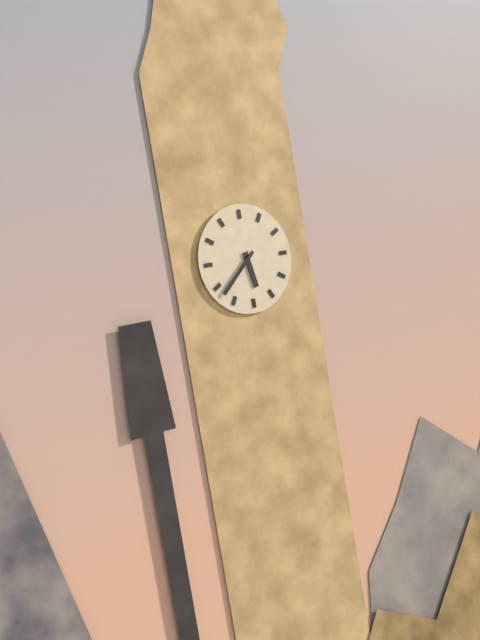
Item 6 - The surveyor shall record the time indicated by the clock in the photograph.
5:38
